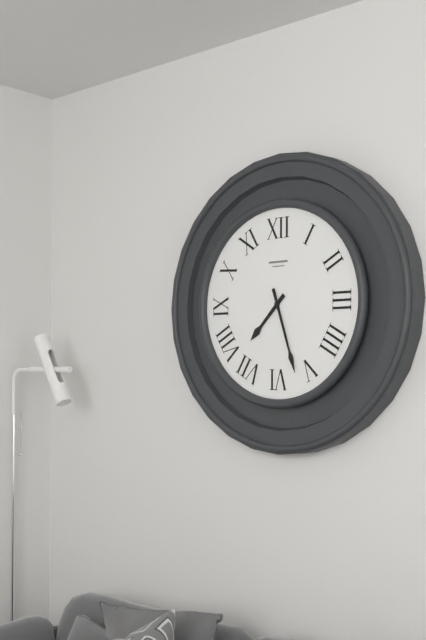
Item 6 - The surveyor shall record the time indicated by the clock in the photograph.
7:27
